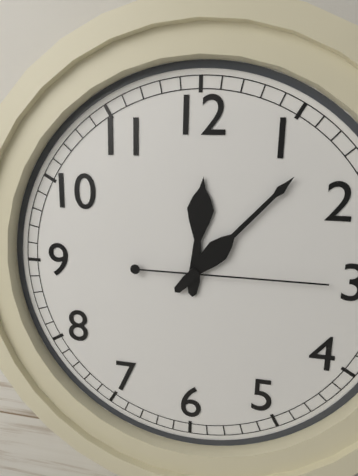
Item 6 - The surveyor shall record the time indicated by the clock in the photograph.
12:07:15
